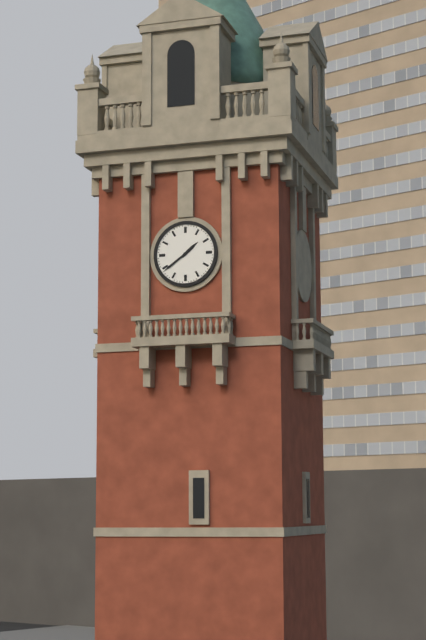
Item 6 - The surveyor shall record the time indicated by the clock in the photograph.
1:39
